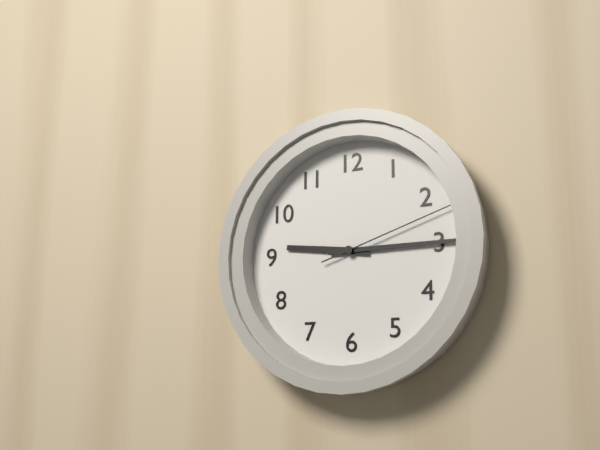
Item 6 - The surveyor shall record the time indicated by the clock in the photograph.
9:15:12
